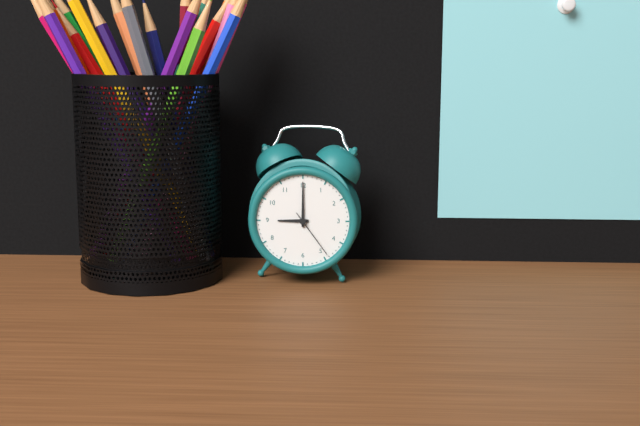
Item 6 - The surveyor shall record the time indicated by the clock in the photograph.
9:00:24
